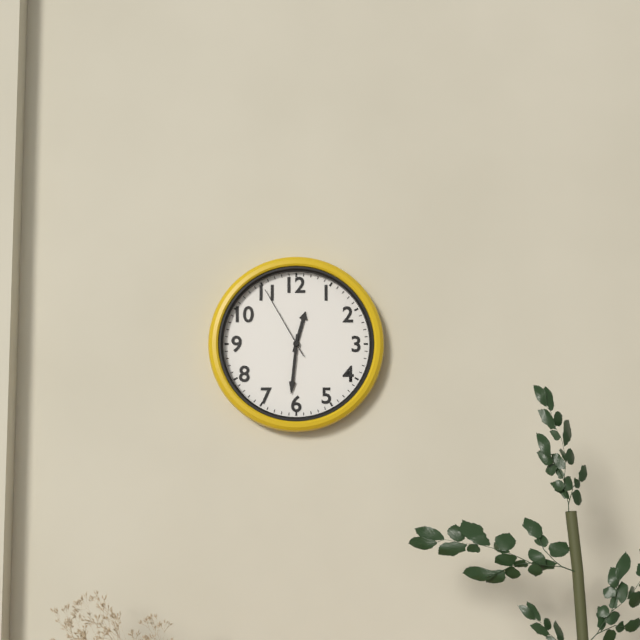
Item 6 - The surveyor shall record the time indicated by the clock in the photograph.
12:31:55
